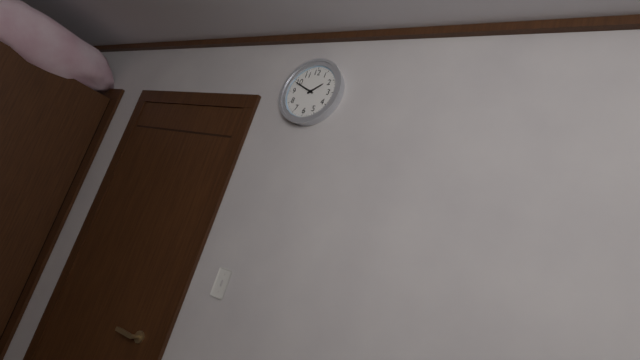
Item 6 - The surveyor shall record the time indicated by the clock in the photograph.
1:49
